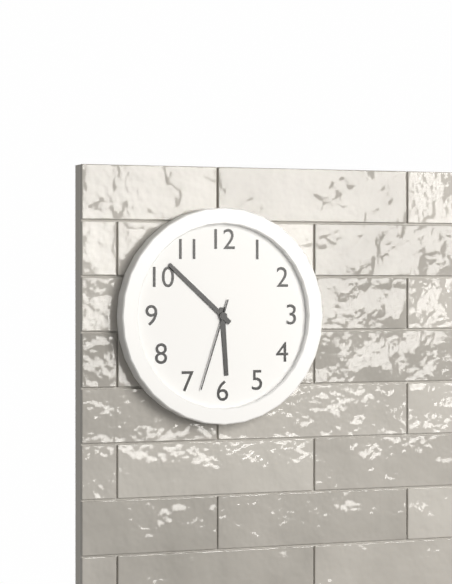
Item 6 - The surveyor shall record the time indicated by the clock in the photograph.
5:52:33
